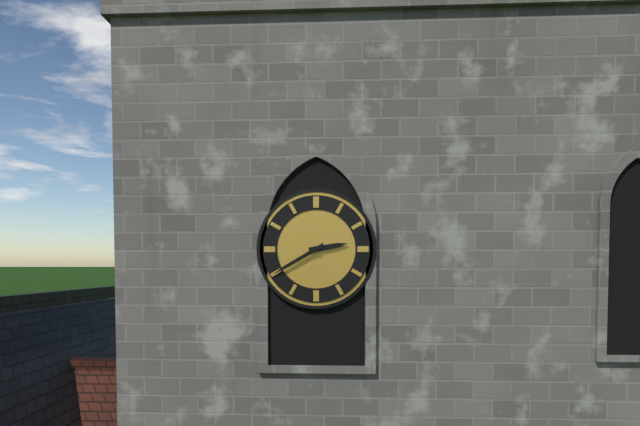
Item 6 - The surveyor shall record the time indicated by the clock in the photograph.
2:40
